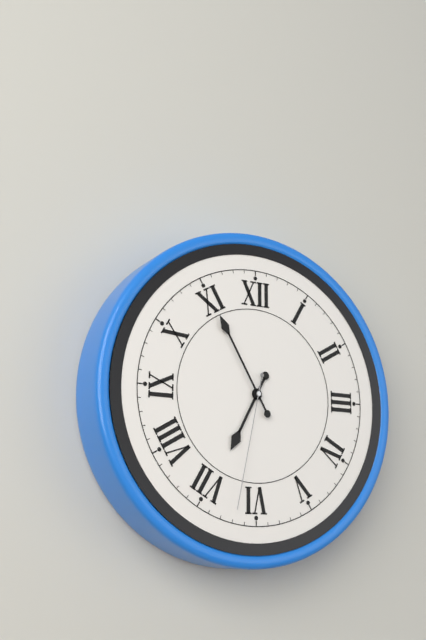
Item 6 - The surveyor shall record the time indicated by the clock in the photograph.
6:55:32
